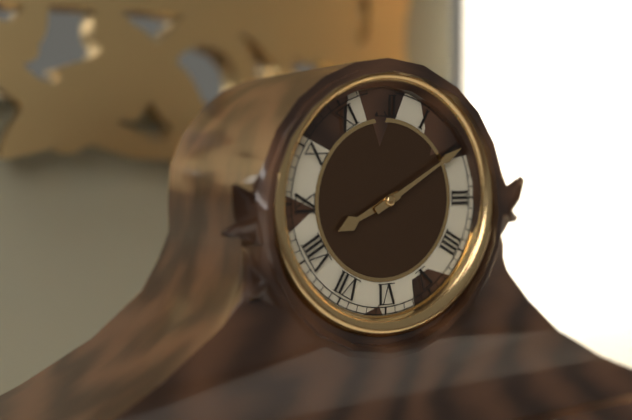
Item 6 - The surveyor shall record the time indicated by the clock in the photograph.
8:10
